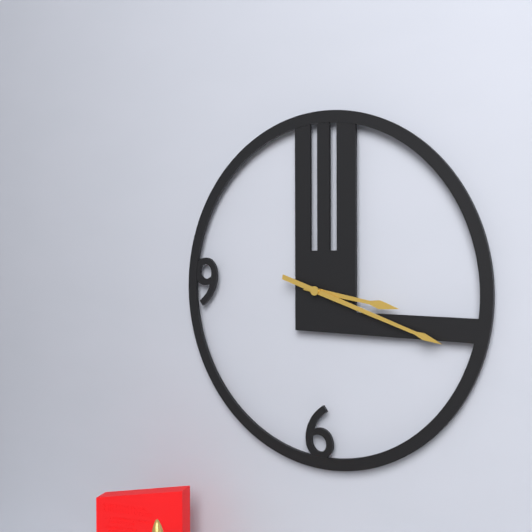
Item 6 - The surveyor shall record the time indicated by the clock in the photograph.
3:18
